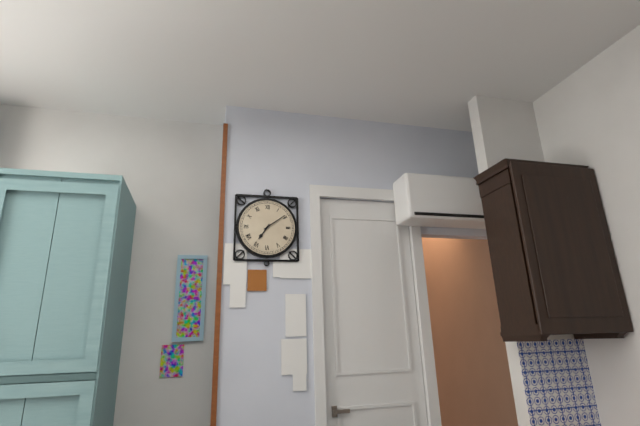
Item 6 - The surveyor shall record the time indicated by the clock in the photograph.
7:09
